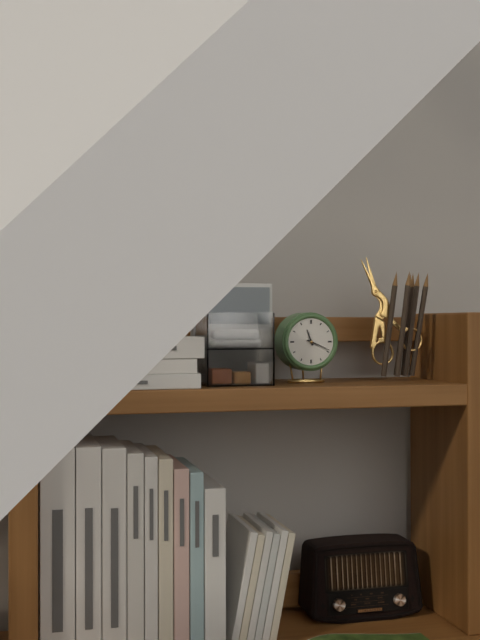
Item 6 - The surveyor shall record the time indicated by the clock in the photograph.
11:19
